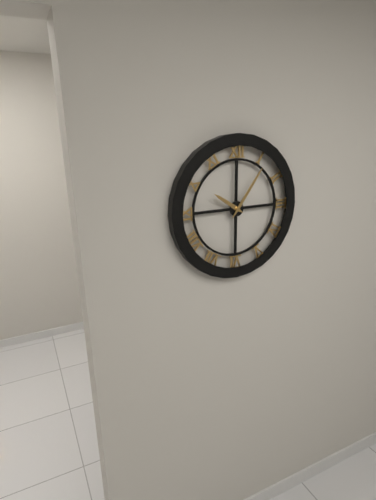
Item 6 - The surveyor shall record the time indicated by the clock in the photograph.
10:06
